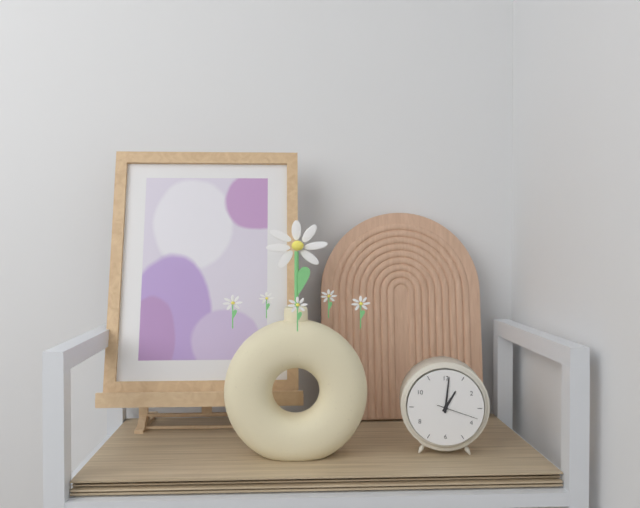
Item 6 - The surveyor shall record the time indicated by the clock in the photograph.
1:01
